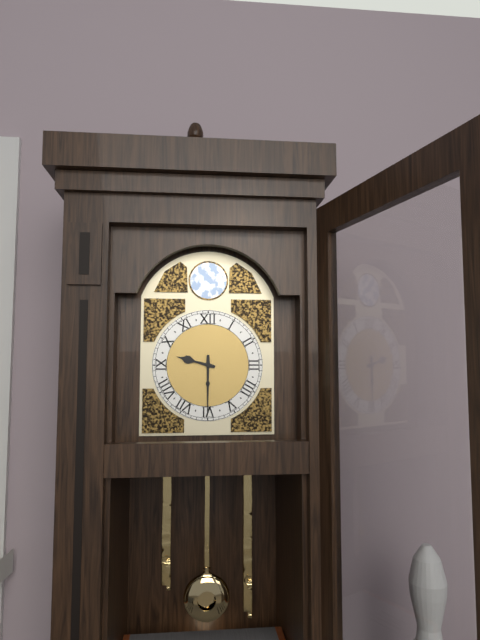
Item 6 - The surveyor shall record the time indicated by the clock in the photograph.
9:30
